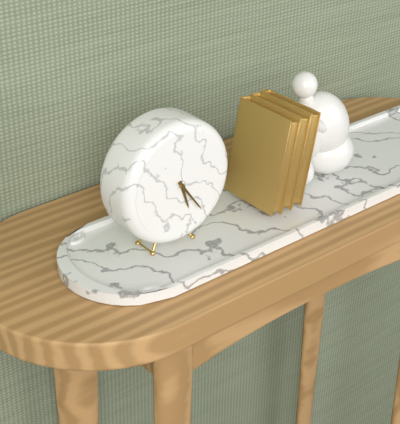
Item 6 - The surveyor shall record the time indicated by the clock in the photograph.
5:24
